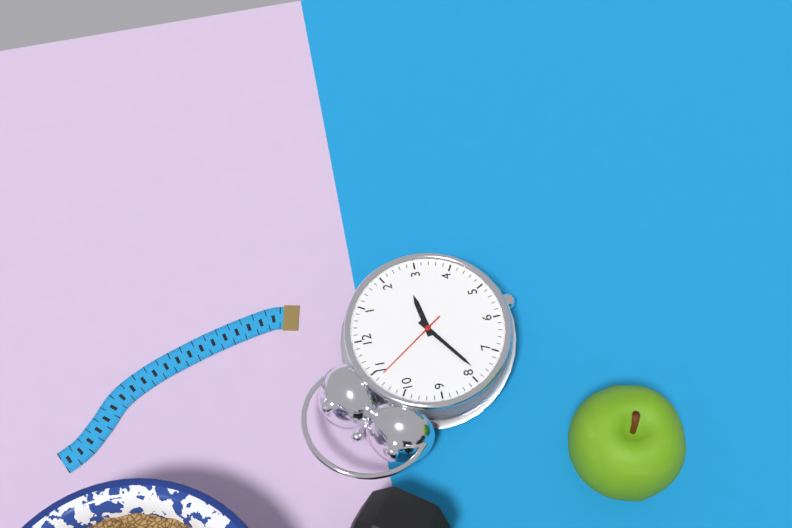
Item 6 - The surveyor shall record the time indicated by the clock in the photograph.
2:39:54
